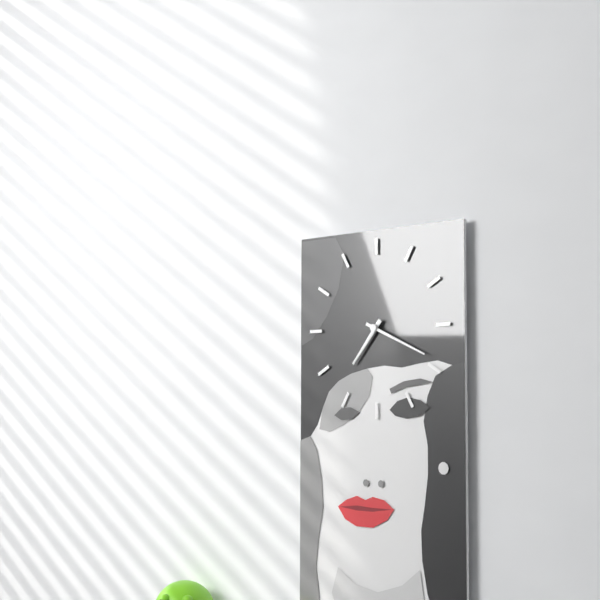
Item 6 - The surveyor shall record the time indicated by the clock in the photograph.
7:19
